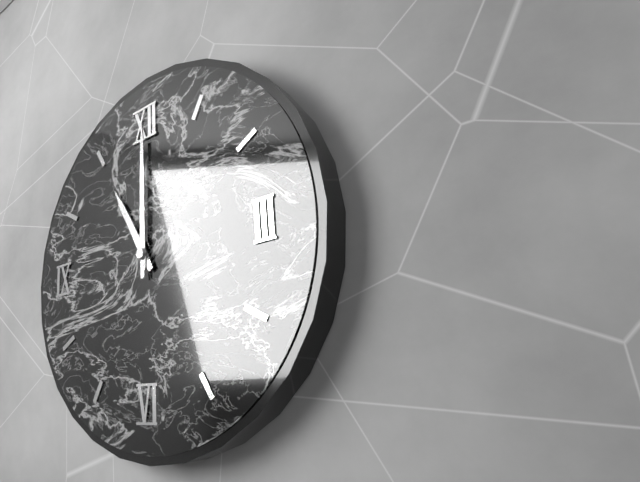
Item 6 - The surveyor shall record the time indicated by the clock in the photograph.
11:00
